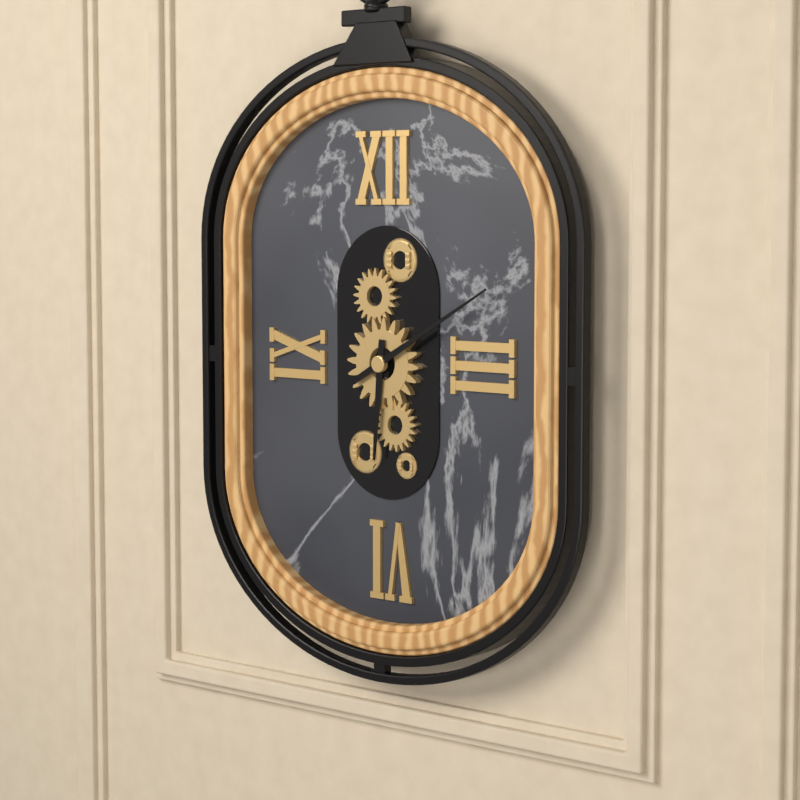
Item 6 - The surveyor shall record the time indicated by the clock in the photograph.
6:10
